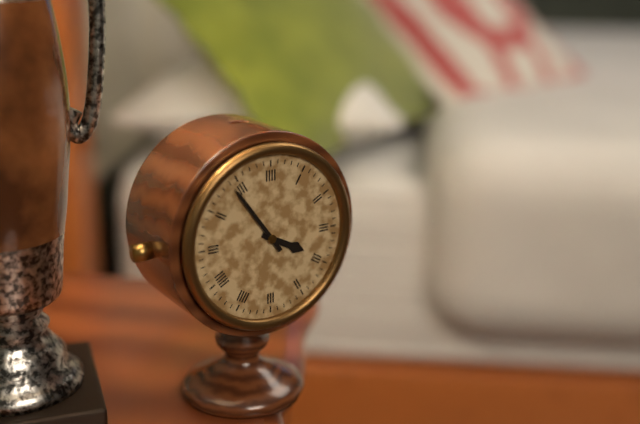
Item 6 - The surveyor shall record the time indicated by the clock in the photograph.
3:54
